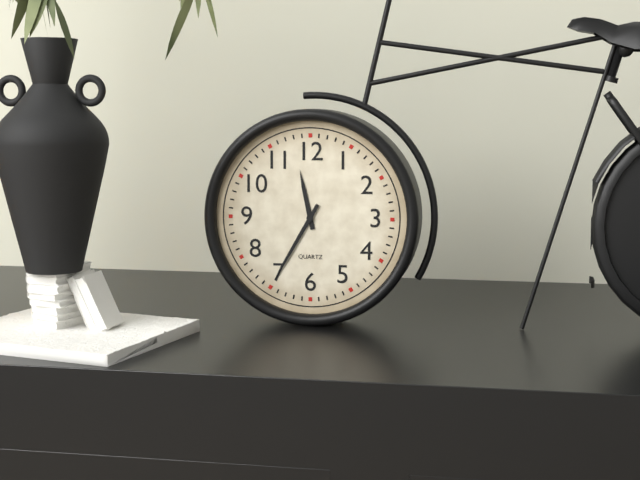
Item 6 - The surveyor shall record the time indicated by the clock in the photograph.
11:35
